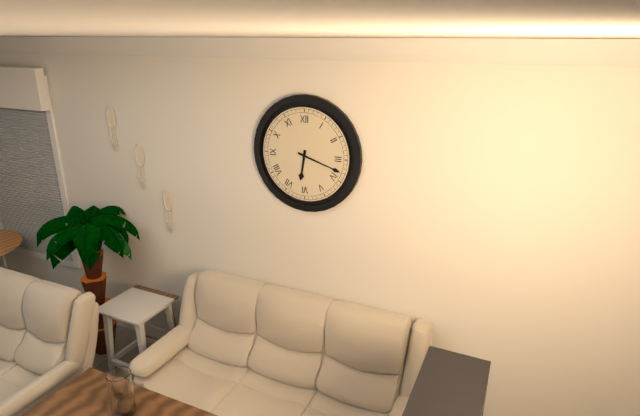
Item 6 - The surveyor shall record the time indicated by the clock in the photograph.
6:18
